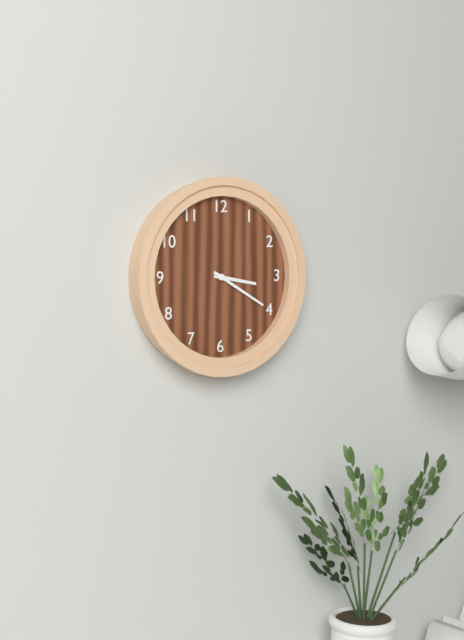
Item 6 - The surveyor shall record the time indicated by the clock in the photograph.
3:20
